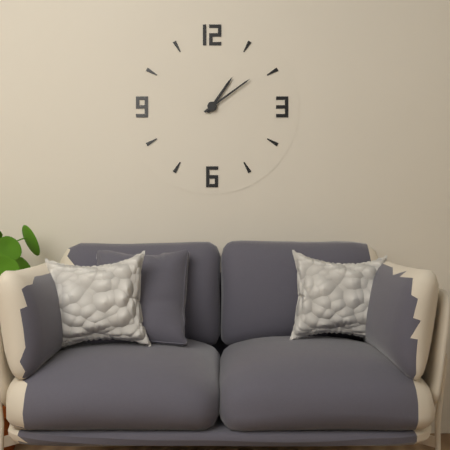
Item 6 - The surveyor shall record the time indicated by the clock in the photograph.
1:09
